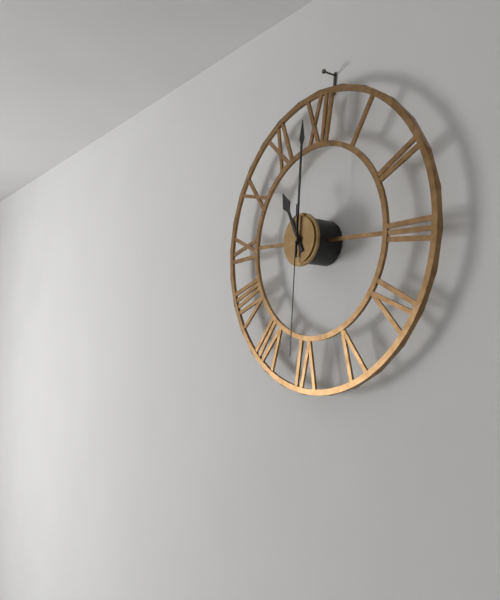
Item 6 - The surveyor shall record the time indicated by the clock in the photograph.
11:00:30
